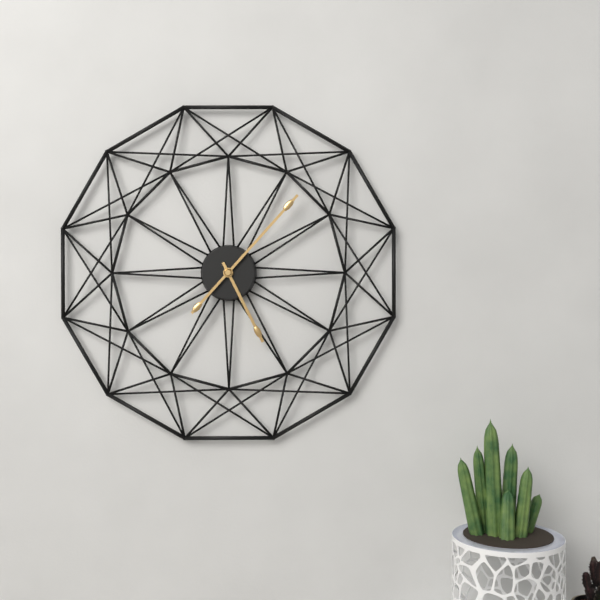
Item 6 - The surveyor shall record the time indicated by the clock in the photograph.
5:07
